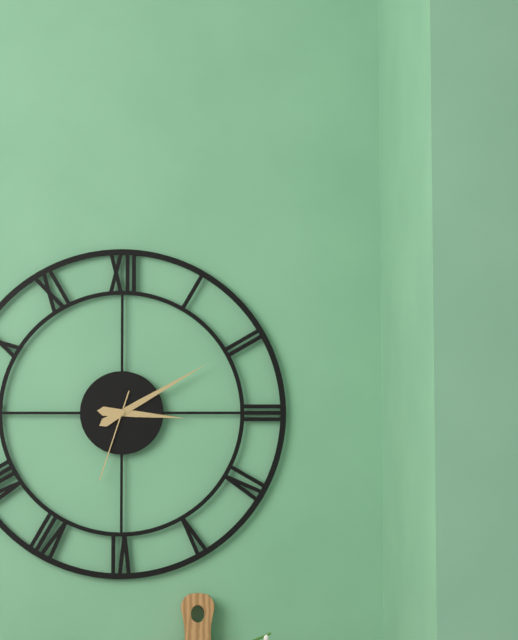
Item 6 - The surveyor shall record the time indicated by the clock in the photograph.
3:10:33
